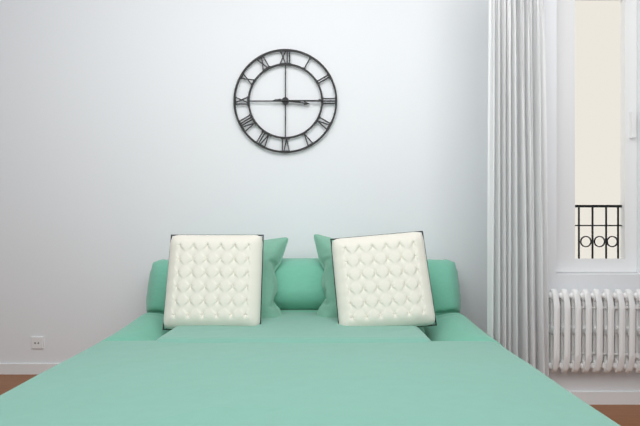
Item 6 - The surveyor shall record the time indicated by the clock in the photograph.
3:15
